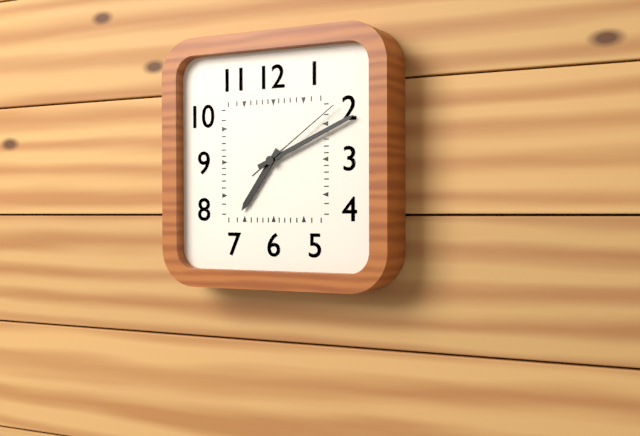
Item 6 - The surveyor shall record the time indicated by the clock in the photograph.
7:11:09
